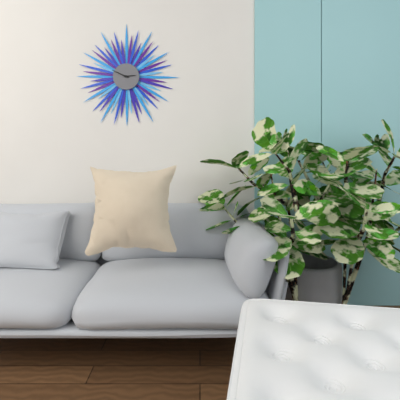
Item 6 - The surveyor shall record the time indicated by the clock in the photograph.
2:49
